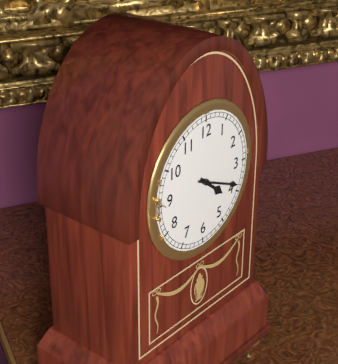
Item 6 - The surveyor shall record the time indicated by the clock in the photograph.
4:19
